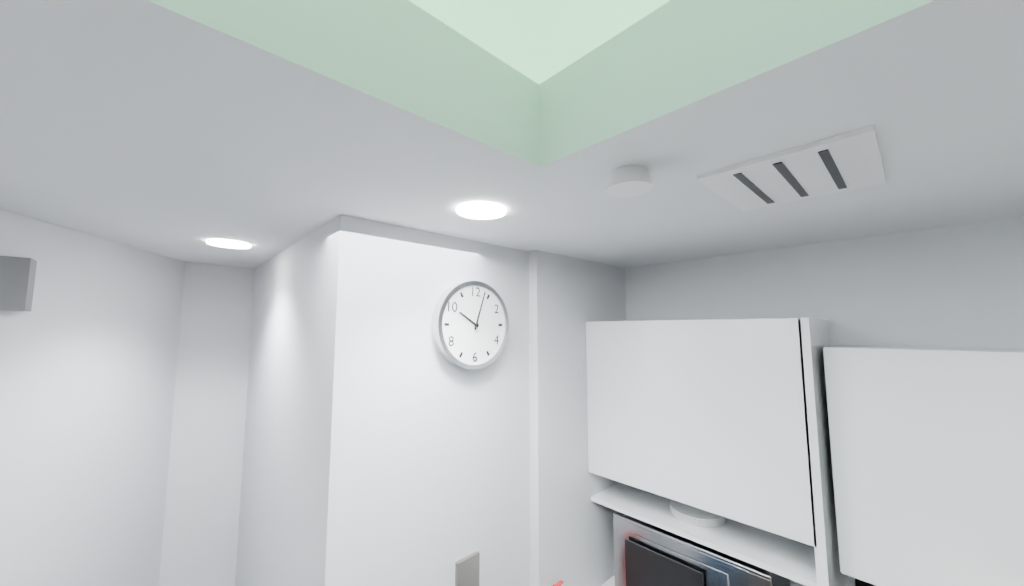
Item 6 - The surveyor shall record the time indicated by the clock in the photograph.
10:03
